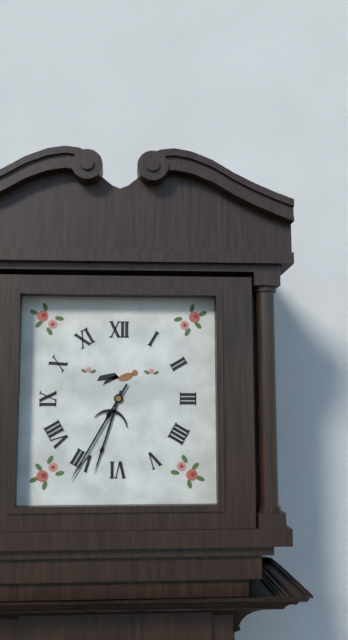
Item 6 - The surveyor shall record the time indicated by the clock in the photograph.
6:35
